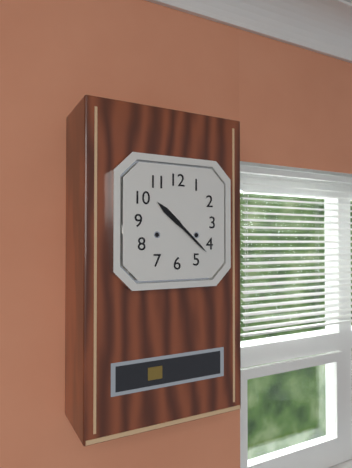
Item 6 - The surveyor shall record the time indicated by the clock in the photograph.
10:22
